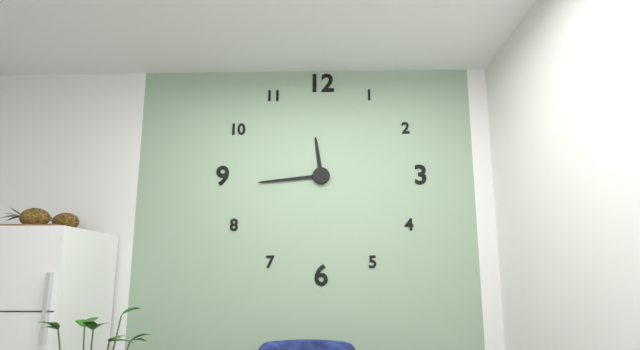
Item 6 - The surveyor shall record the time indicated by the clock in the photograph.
11:44
